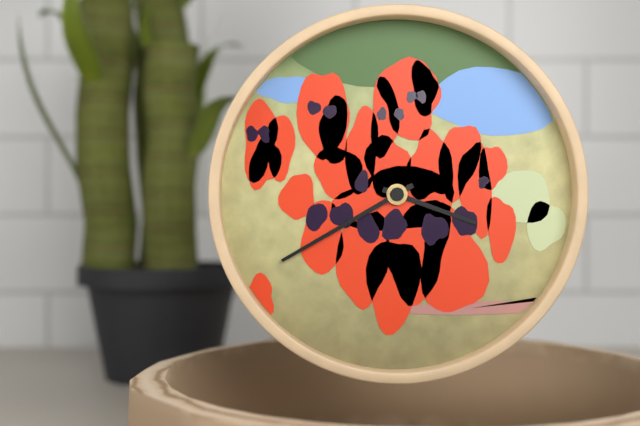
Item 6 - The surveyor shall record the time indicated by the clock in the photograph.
3:40
